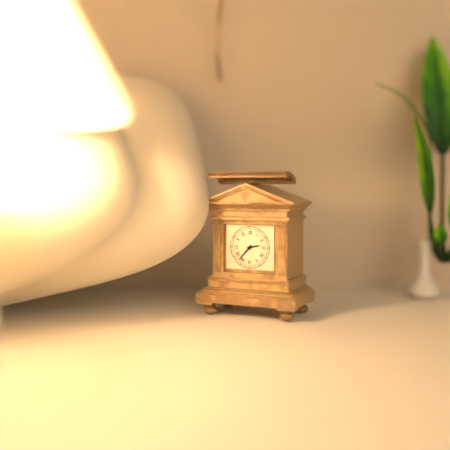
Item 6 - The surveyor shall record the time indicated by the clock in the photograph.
2:37
